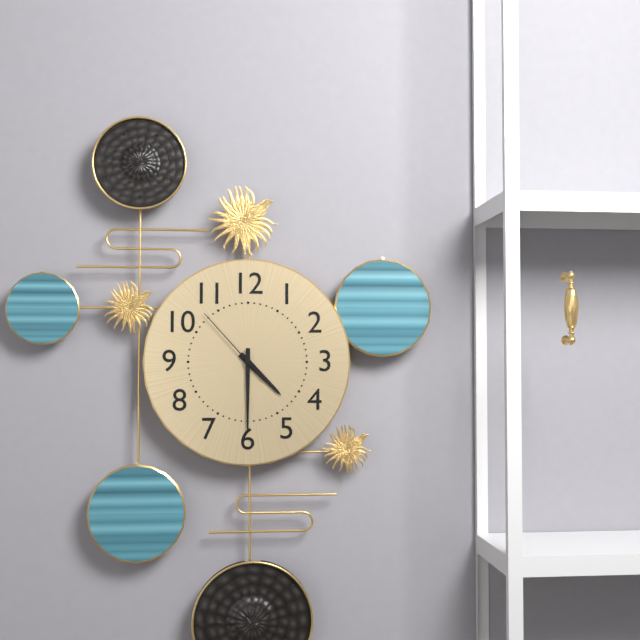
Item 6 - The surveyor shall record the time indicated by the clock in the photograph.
4:30:53
